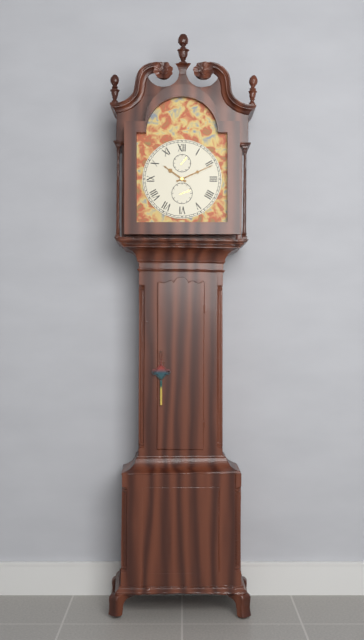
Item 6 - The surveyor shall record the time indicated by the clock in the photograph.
10:11
